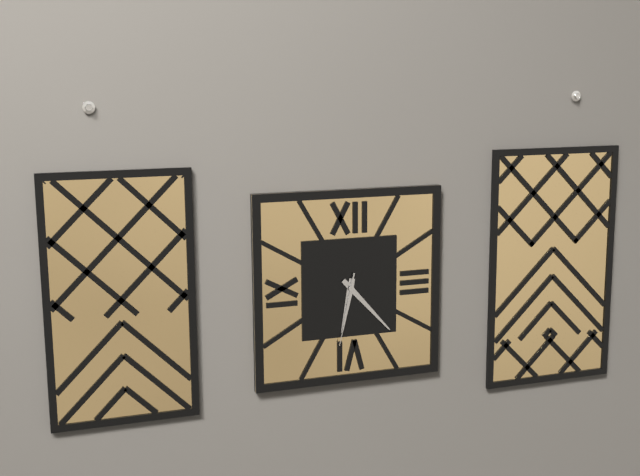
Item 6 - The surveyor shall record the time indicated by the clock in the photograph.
6:23:32
